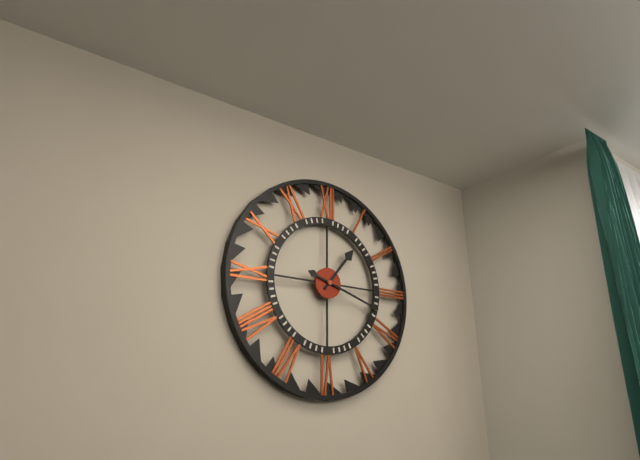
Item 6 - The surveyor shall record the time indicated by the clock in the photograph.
1:18
